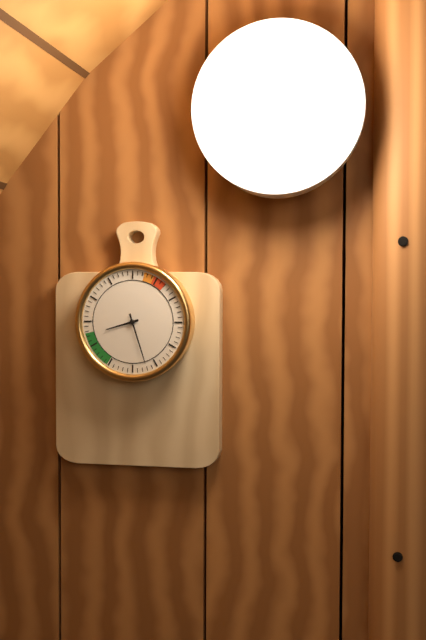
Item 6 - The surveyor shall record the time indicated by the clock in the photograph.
8:27
